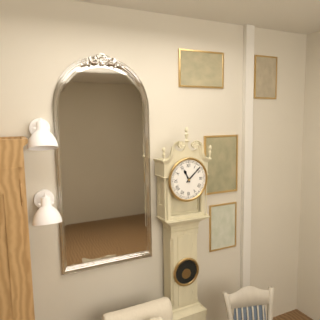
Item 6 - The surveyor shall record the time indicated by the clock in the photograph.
11:08
